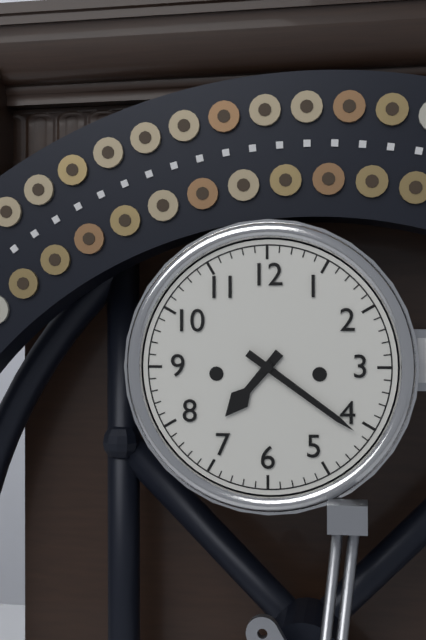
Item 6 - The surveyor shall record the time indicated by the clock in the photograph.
7:21
